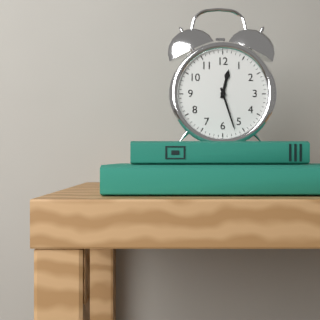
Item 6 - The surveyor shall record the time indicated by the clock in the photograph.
12:27
